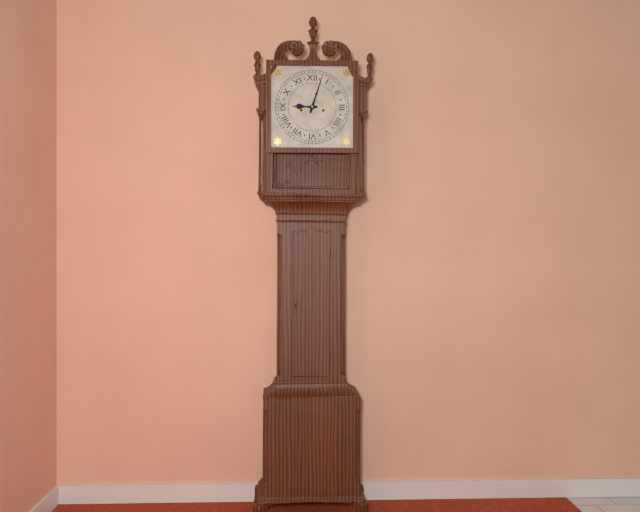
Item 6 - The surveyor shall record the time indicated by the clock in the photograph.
9:03
